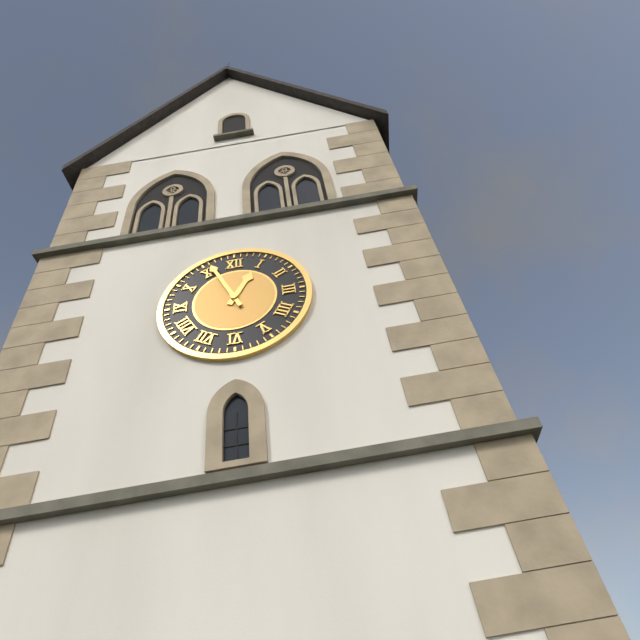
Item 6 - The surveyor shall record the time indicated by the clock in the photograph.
12:56
